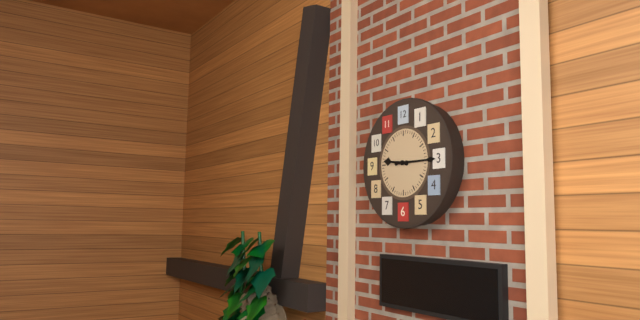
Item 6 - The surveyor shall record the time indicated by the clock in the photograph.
9:15
